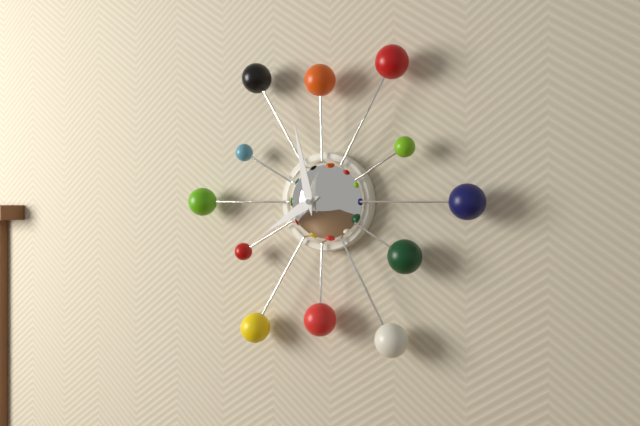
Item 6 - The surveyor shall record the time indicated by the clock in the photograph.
7:58
